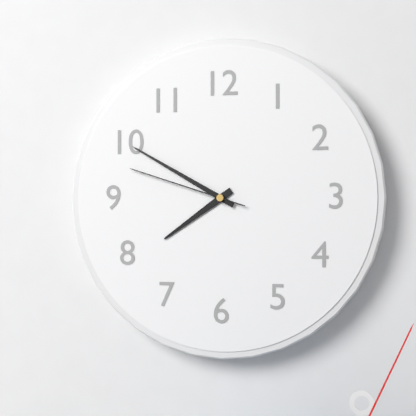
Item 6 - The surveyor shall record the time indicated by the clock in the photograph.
7:50:48
